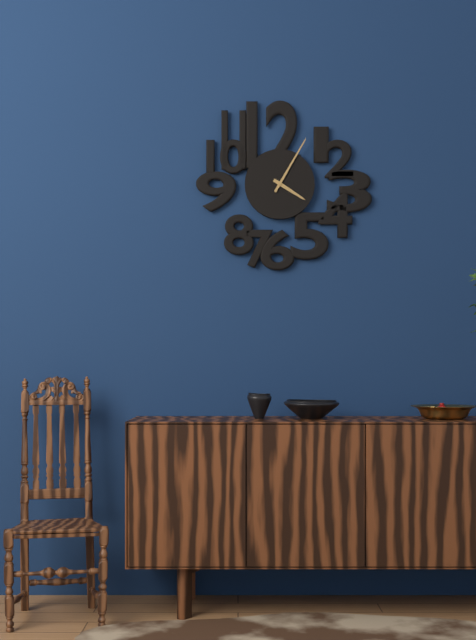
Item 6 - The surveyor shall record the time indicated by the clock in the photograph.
4:05
